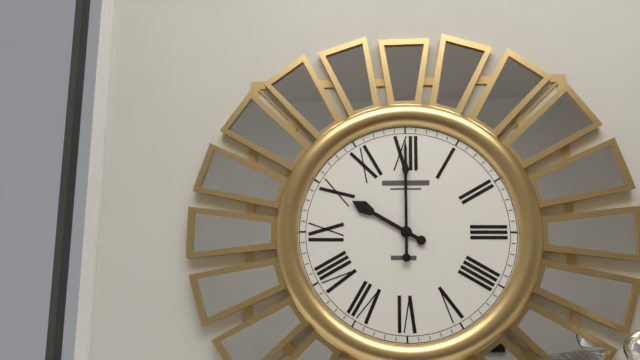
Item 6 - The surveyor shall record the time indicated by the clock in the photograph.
10:00
